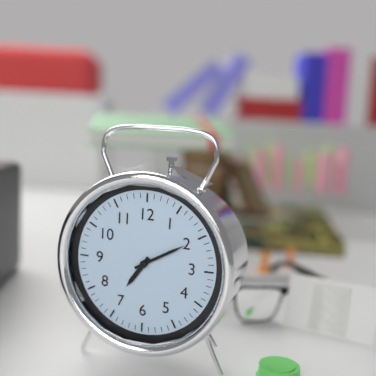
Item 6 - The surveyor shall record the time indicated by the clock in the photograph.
7:10
